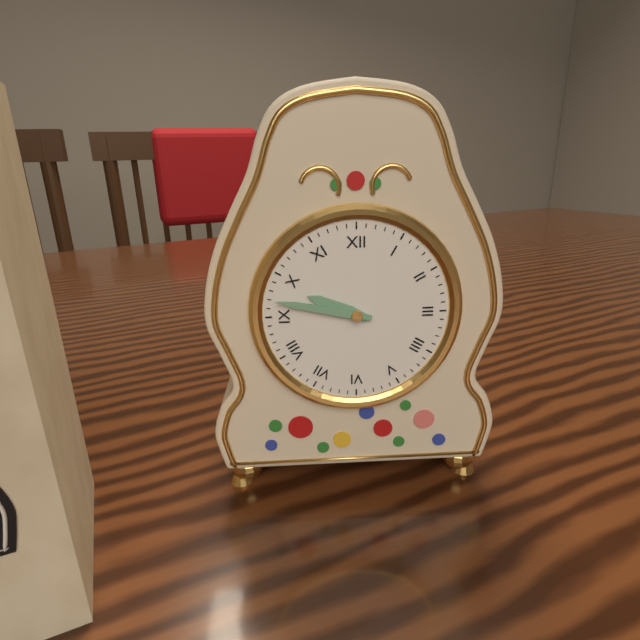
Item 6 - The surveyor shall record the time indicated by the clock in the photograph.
9:47
